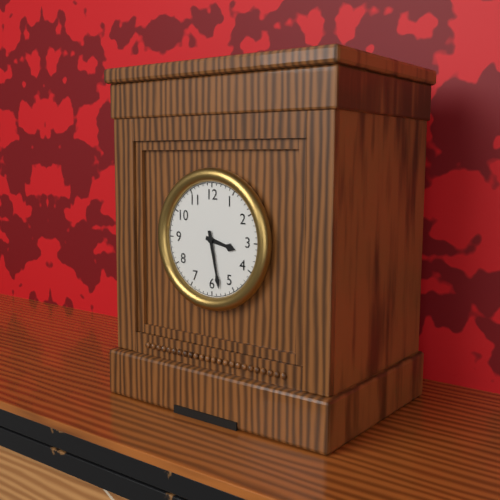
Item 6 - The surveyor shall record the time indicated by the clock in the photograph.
3:28
